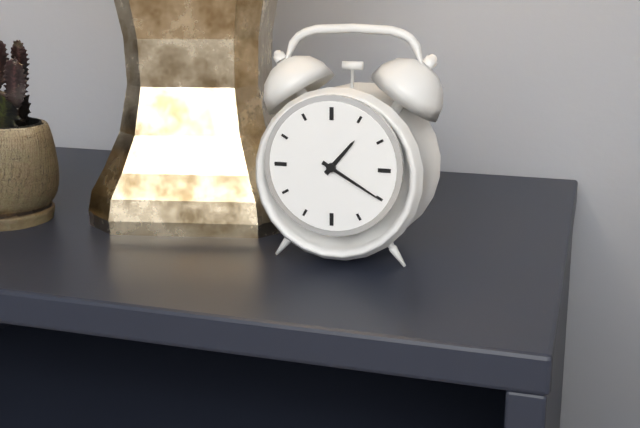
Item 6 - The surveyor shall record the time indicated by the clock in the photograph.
1:20
